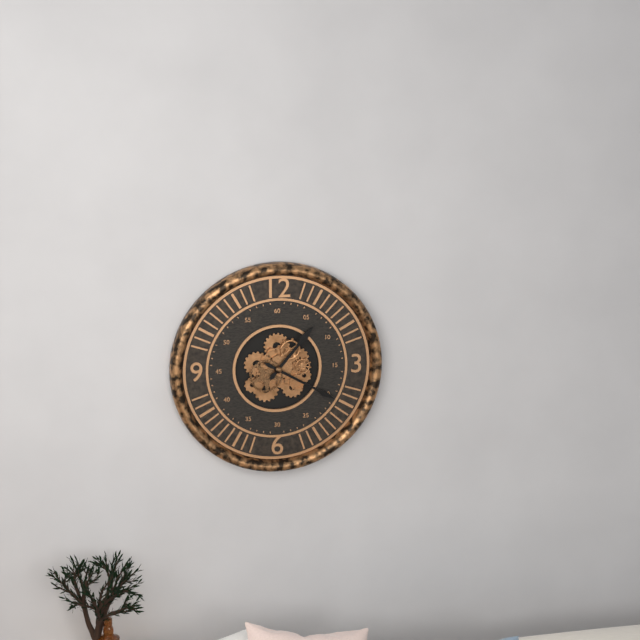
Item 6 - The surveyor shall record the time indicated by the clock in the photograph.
1:20
